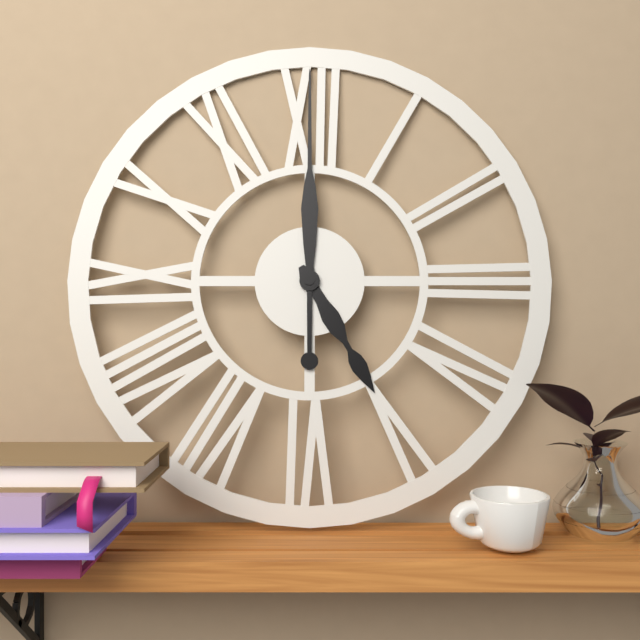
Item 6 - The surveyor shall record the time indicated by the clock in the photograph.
5:00
